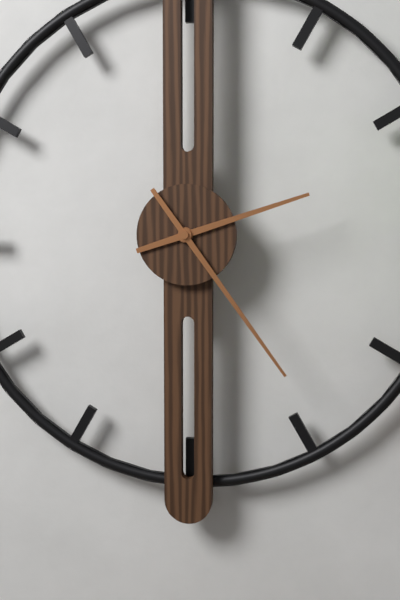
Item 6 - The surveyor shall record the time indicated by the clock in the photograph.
2:24
